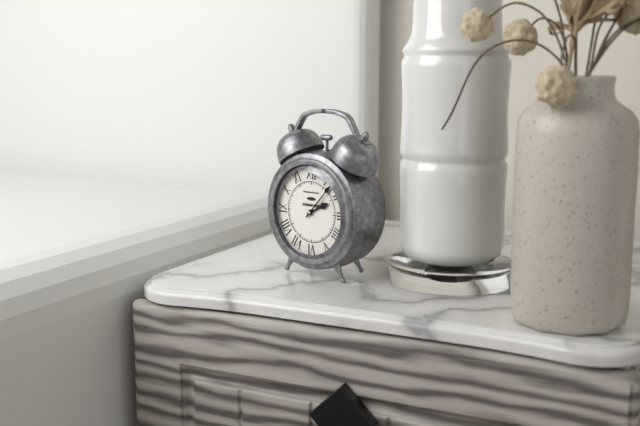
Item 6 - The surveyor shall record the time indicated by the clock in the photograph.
2:07
